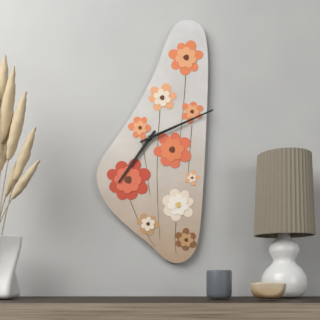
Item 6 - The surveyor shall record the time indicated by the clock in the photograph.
7:11
